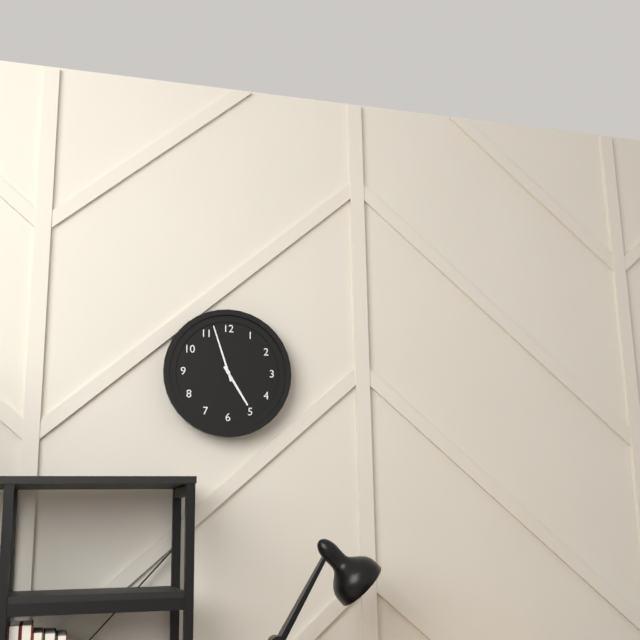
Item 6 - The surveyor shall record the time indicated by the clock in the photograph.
4:57
